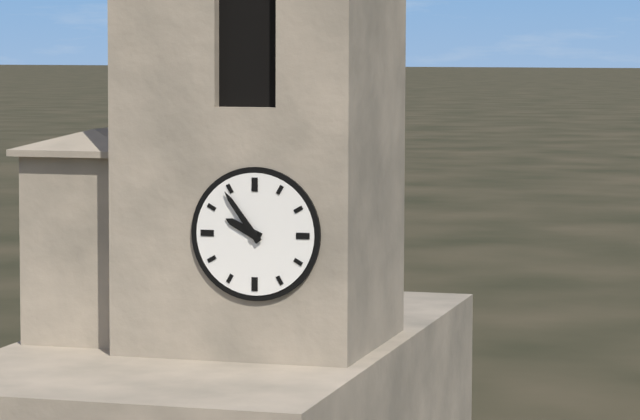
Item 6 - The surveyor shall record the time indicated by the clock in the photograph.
9:54
